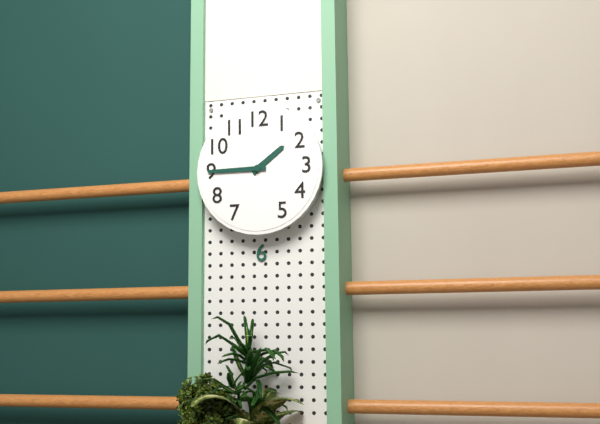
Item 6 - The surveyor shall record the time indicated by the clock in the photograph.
1:45
